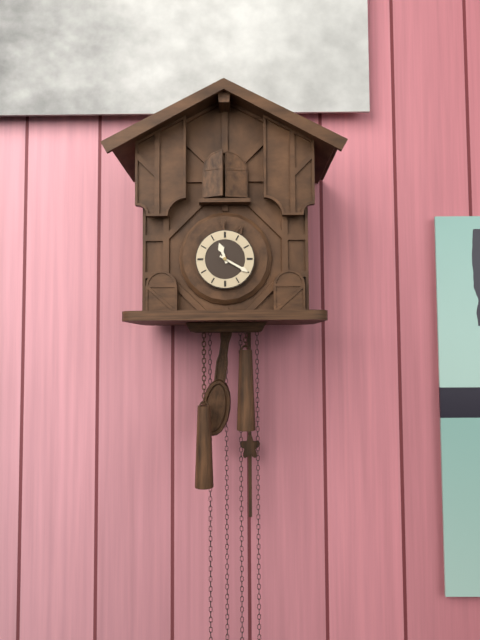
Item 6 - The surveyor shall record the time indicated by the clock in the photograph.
11:20
